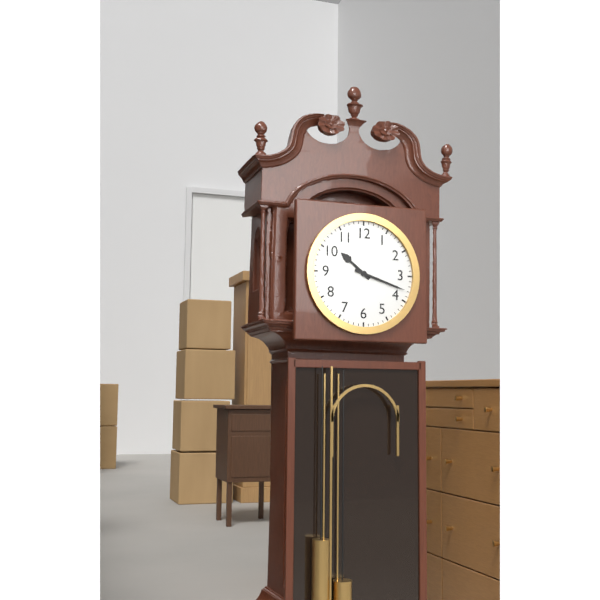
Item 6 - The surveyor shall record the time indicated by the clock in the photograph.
10:18
